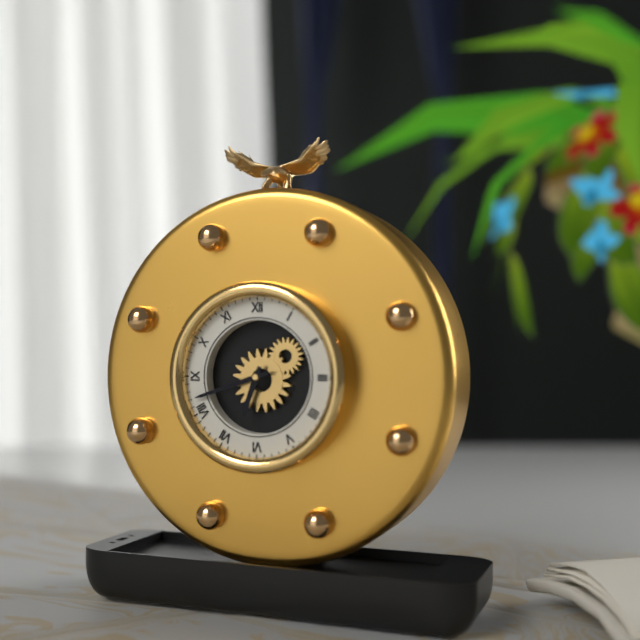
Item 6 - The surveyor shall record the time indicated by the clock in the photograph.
6:42
